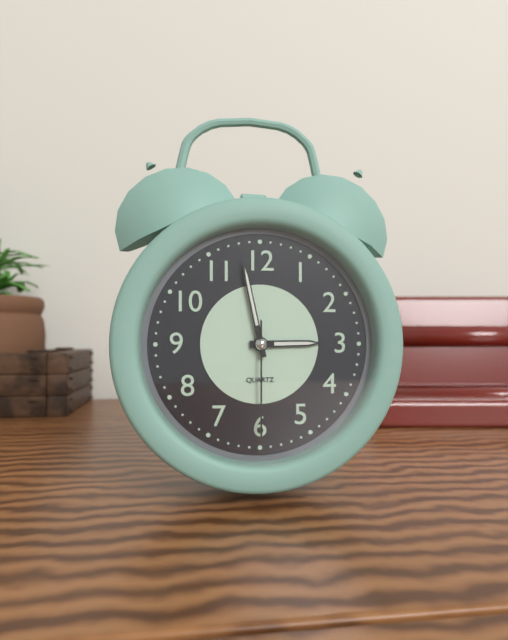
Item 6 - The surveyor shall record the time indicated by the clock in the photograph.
2:58:30
